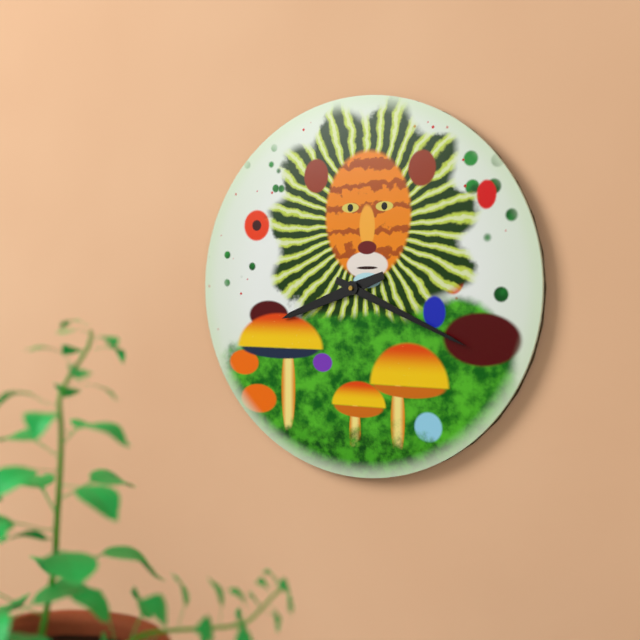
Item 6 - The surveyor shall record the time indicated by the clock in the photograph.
8:19
